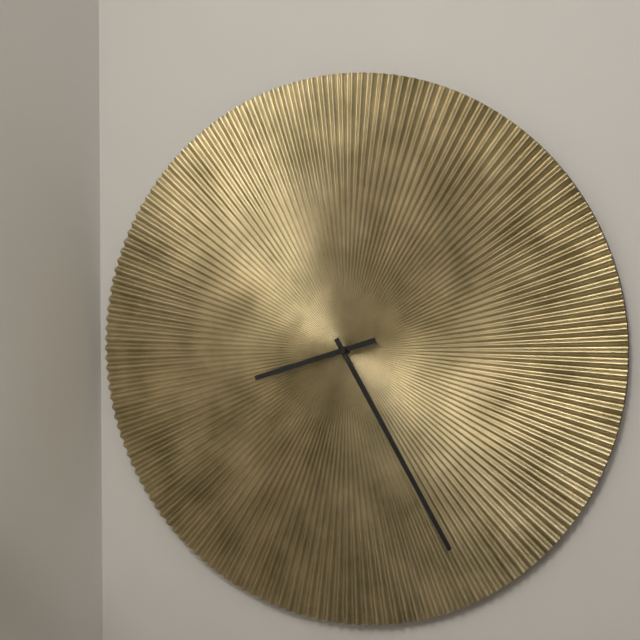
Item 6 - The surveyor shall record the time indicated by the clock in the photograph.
8:25
